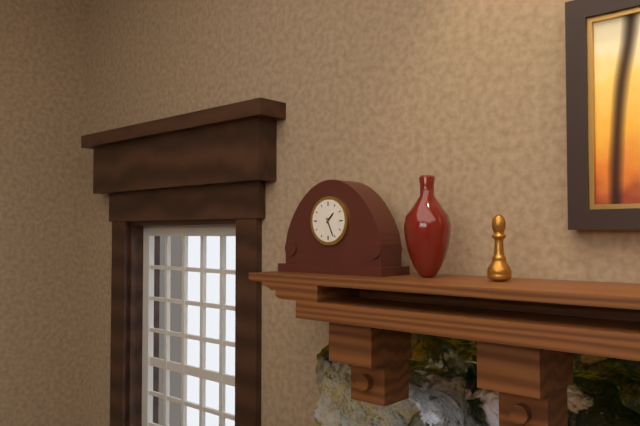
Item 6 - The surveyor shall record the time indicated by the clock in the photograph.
1:26
